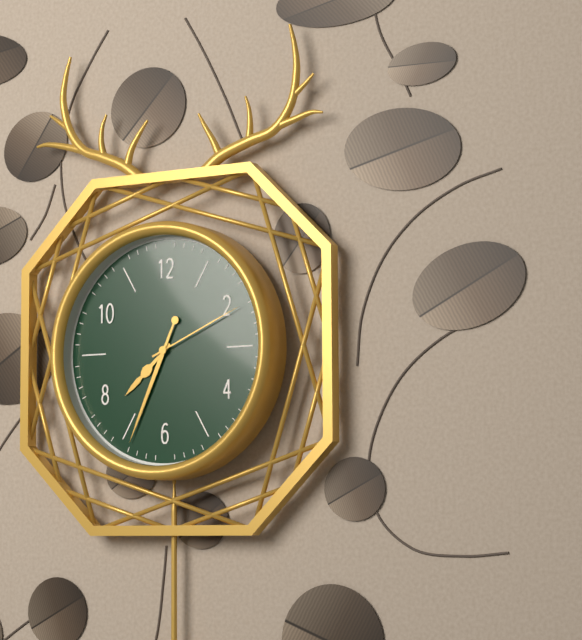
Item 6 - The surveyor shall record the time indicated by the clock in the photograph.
7:34:11
